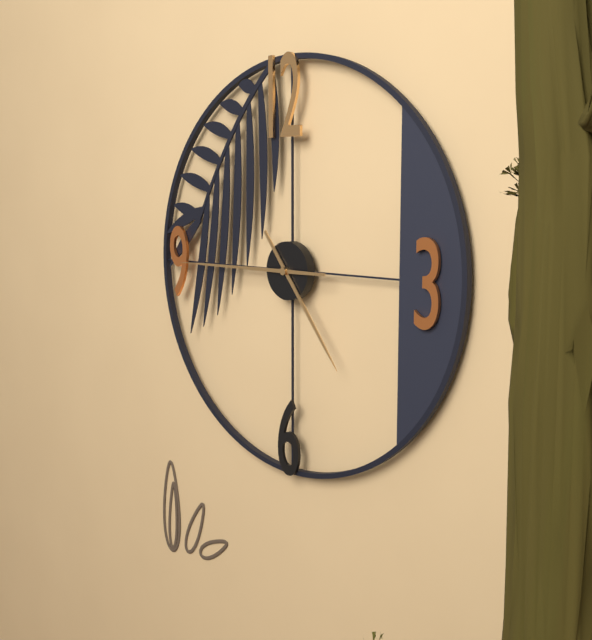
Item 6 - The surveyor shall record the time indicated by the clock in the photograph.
4:45
